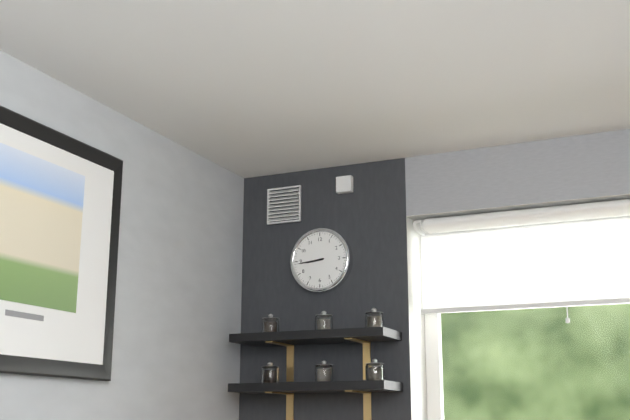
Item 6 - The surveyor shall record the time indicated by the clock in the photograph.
8:44
